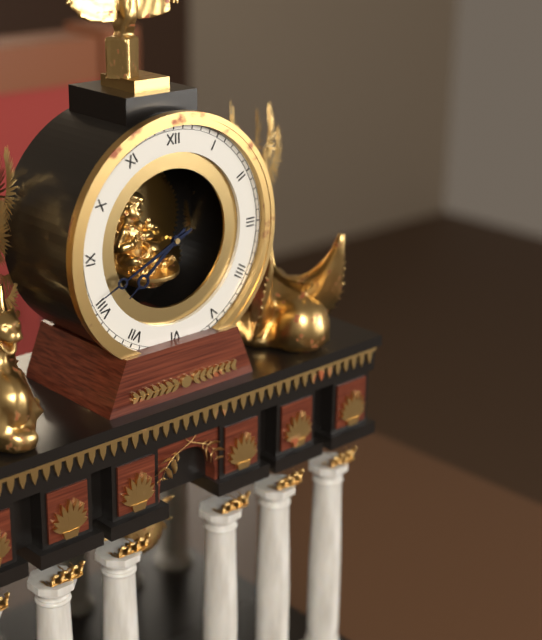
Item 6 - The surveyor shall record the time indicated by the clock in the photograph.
7:41
